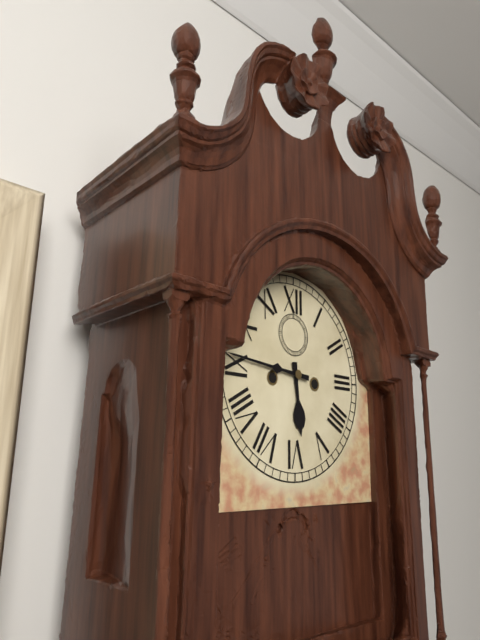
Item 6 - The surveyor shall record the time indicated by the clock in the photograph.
5:46
